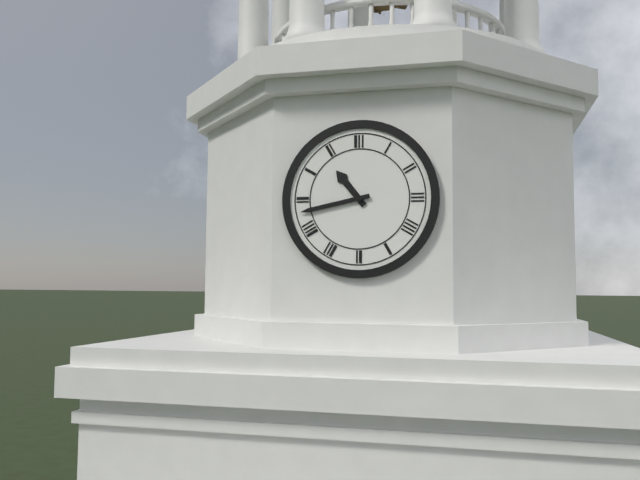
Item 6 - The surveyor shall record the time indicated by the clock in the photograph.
10:43
